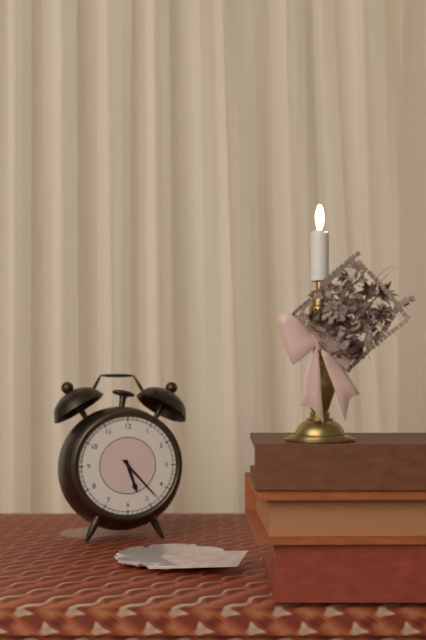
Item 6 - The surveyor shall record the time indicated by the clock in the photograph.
5:23
